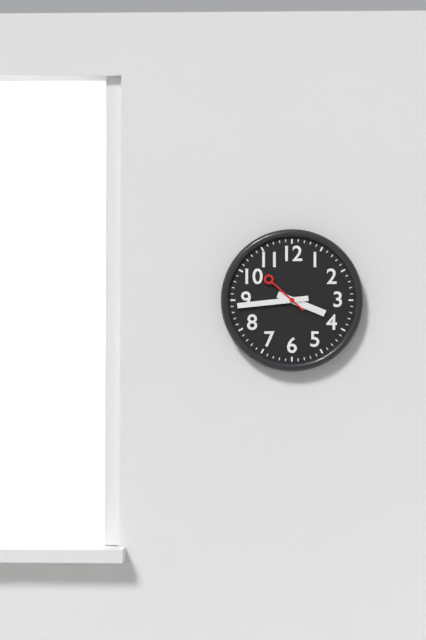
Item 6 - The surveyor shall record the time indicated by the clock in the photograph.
3:44
